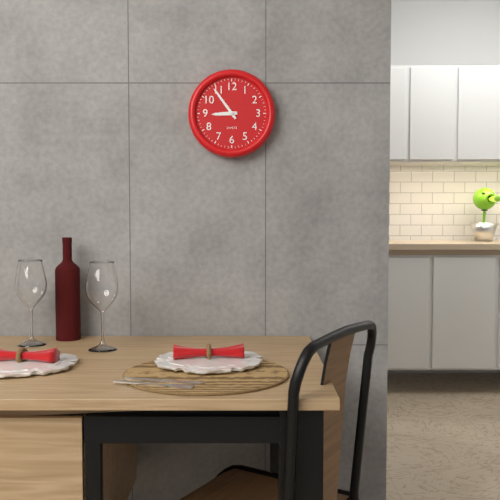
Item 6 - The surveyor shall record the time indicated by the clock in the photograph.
8:54
